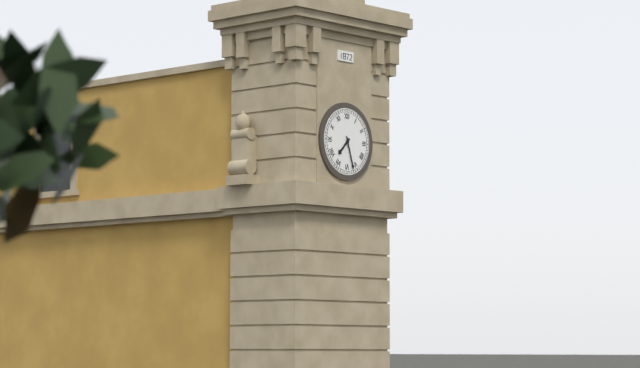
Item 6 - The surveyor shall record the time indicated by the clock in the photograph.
7:27
